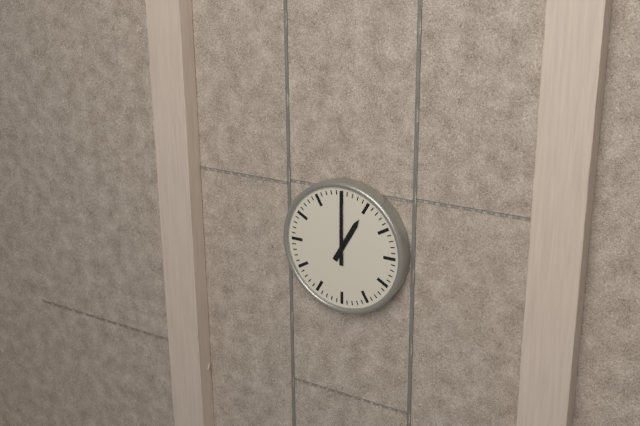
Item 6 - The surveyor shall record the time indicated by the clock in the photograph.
1:00
